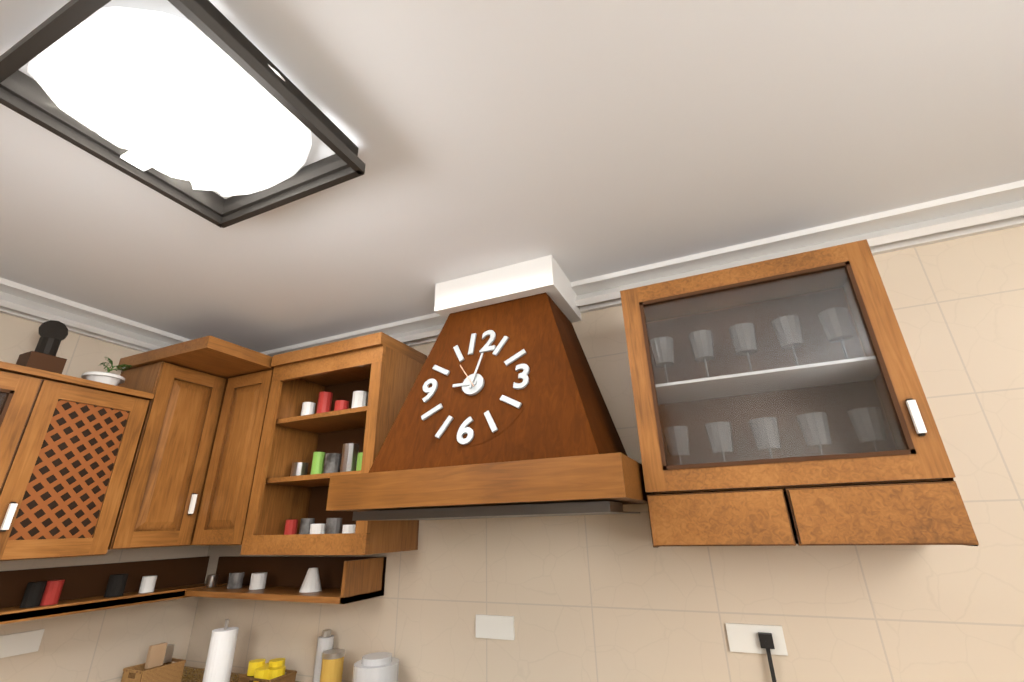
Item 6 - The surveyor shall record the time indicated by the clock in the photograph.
9:02
